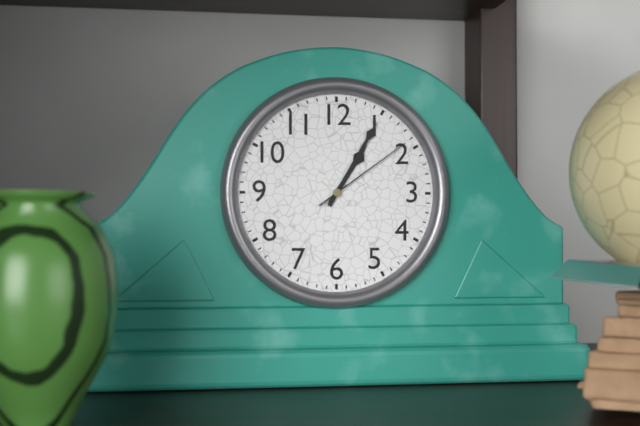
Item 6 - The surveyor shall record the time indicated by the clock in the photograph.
1:05:09
